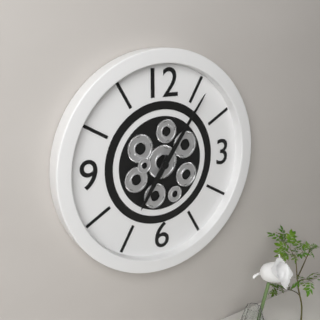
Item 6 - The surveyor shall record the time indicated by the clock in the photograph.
7:06
